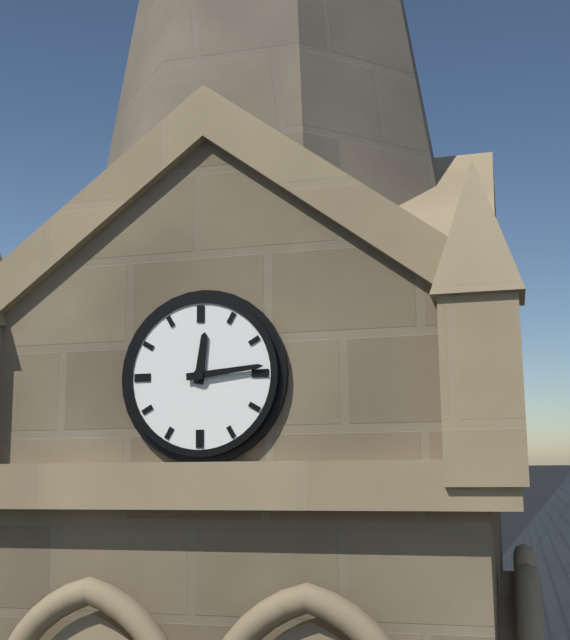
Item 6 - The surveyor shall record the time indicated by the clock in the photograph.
12:14
